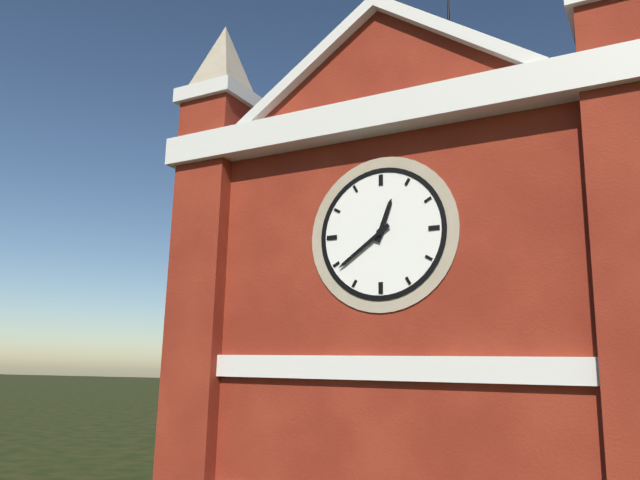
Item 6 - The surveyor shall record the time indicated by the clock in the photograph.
12:39
